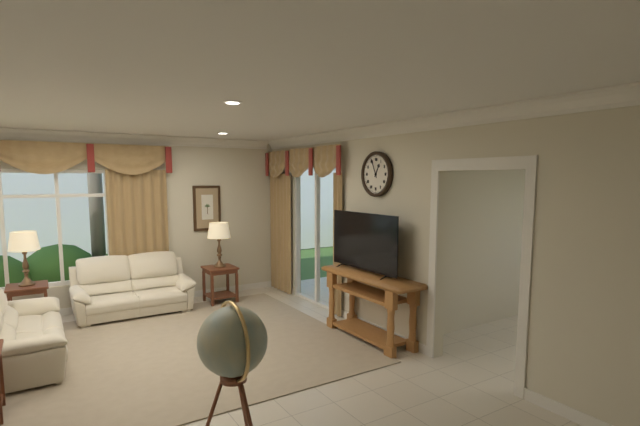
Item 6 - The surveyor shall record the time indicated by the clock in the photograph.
12:56
